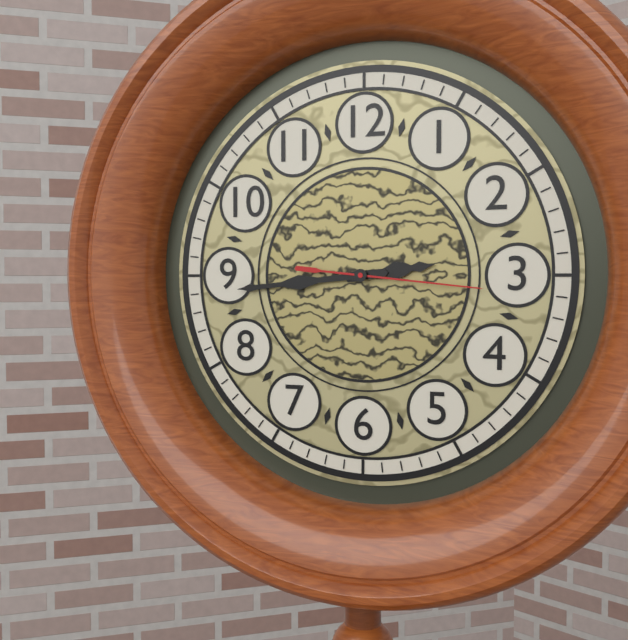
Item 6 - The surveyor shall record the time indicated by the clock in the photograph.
2:44:16
